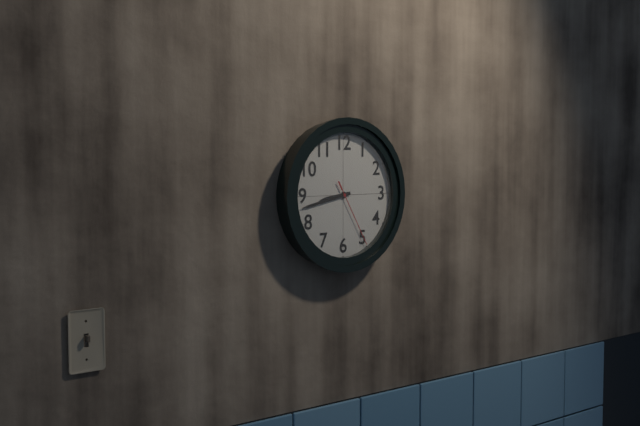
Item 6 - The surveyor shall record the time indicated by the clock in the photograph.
8:43:25
